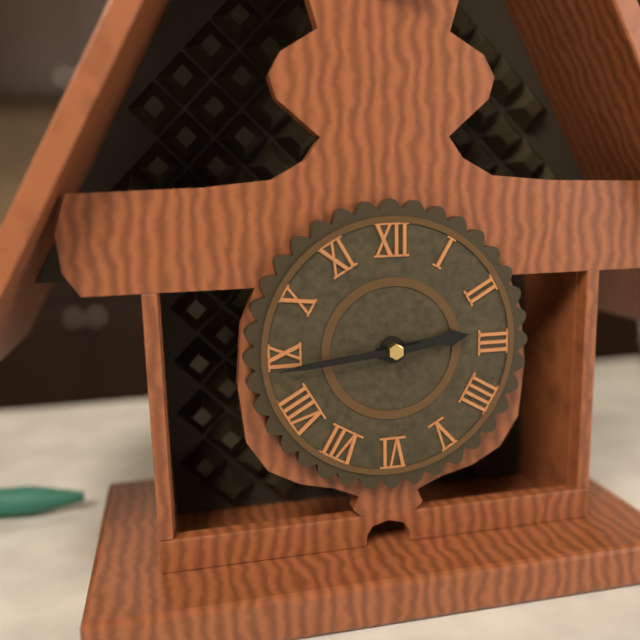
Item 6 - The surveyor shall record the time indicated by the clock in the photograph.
2:44
